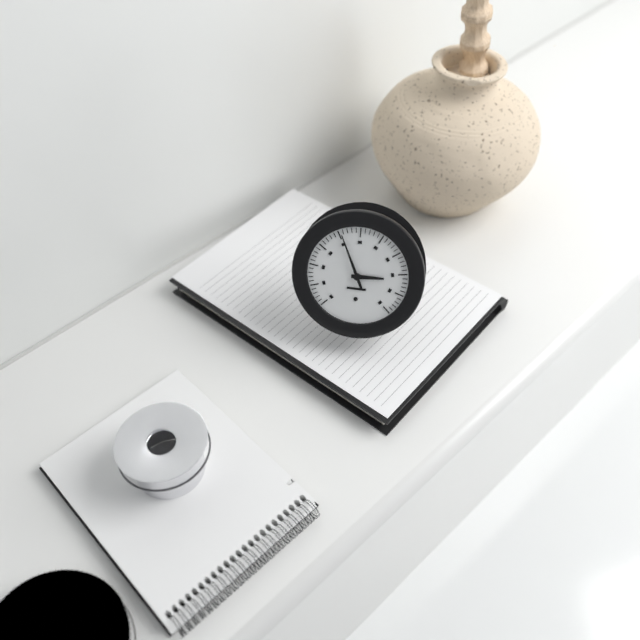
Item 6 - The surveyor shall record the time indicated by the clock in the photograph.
2:56
